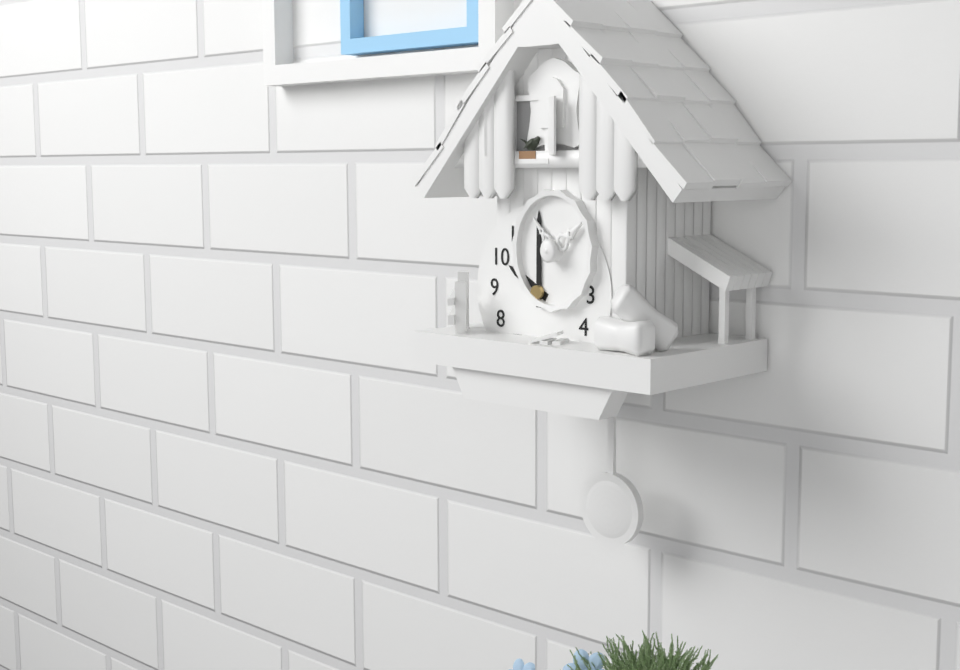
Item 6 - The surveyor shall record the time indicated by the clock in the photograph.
10:00
